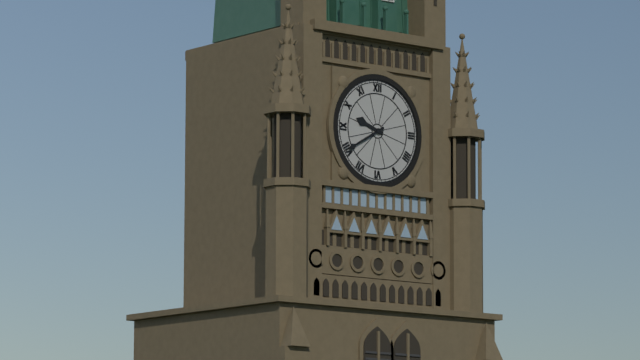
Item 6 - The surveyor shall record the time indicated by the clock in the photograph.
9:40
